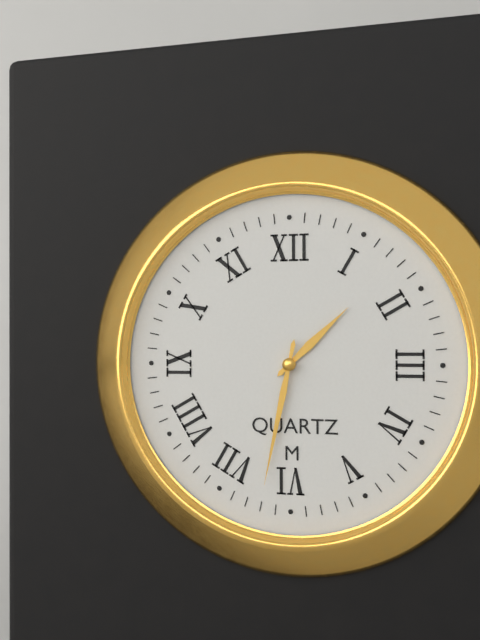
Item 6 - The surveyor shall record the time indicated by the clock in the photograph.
1:32
